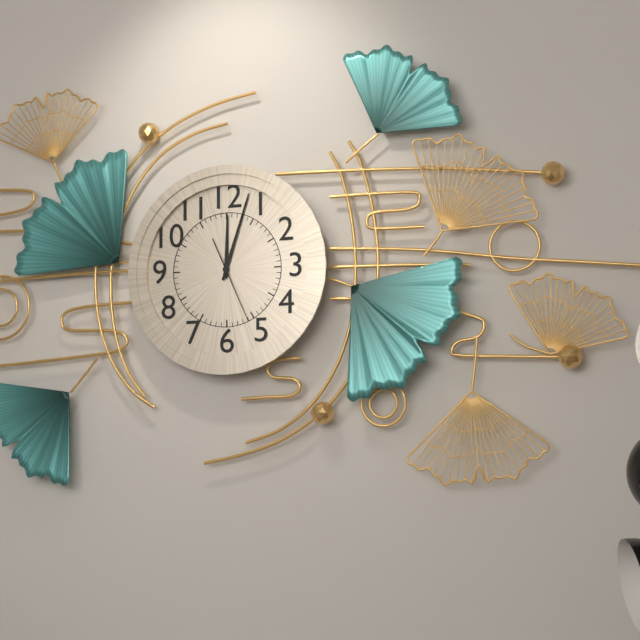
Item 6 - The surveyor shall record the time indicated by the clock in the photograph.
12:03:26
